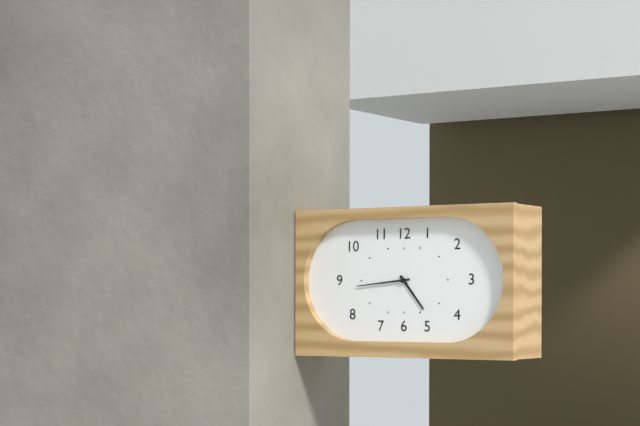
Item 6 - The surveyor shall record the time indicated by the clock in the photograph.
4:44
